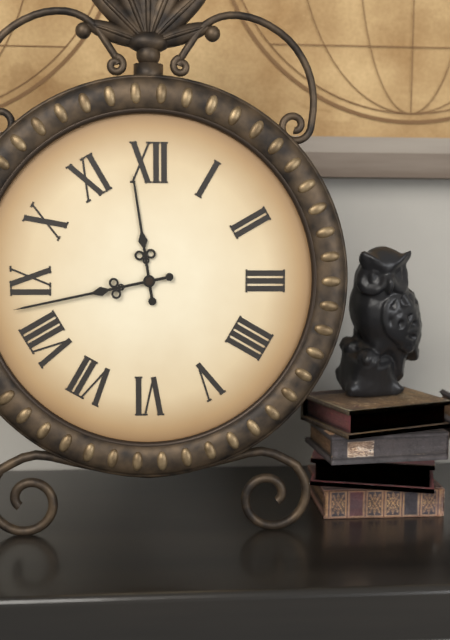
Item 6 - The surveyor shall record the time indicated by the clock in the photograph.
11:43
